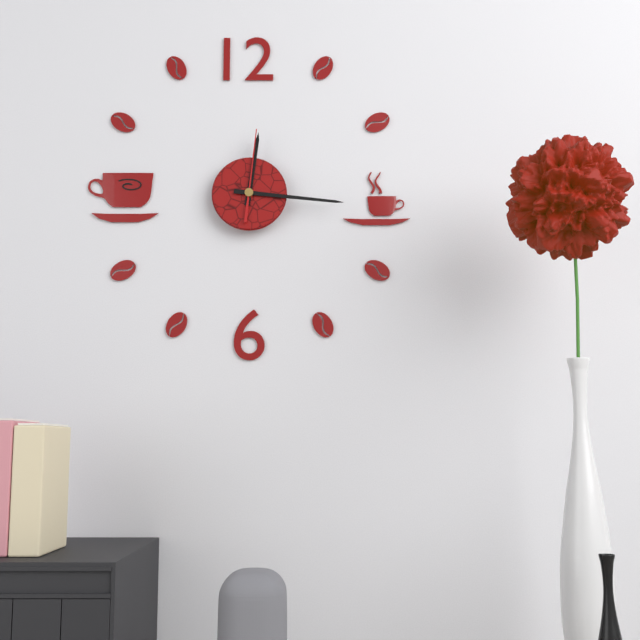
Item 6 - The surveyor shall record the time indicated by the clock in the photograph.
12:16:01
